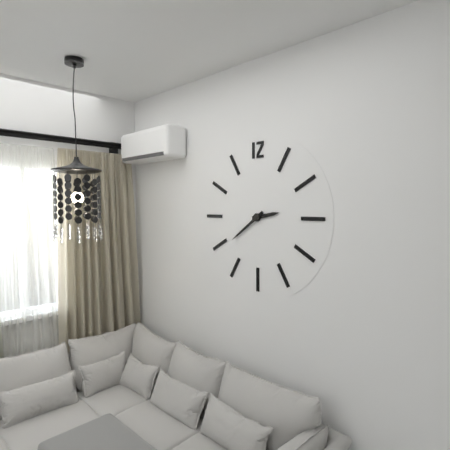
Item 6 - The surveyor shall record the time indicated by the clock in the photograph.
2:39
